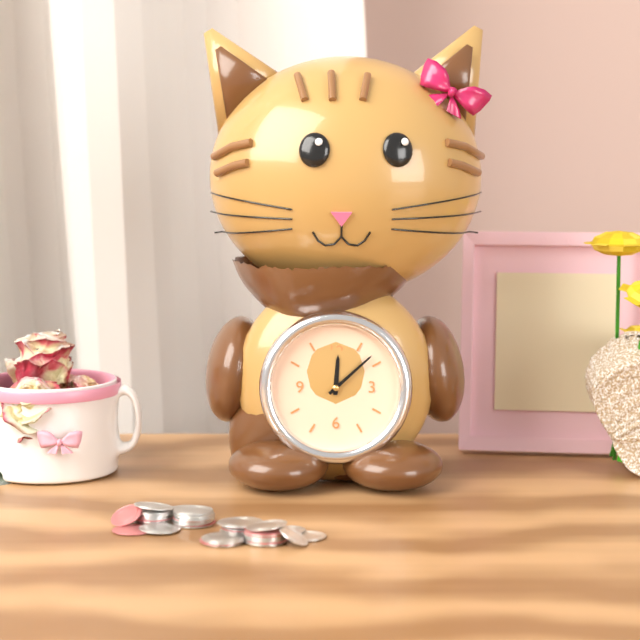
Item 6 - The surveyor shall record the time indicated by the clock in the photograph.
12:08
